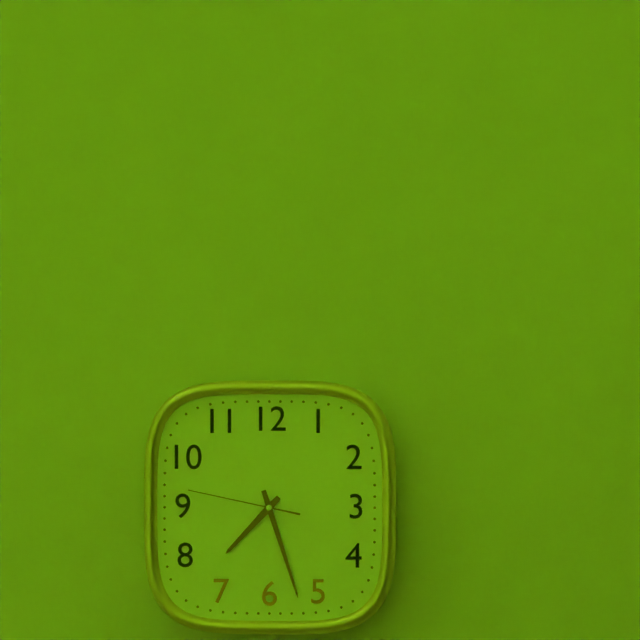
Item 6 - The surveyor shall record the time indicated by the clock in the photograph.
7:27:47
